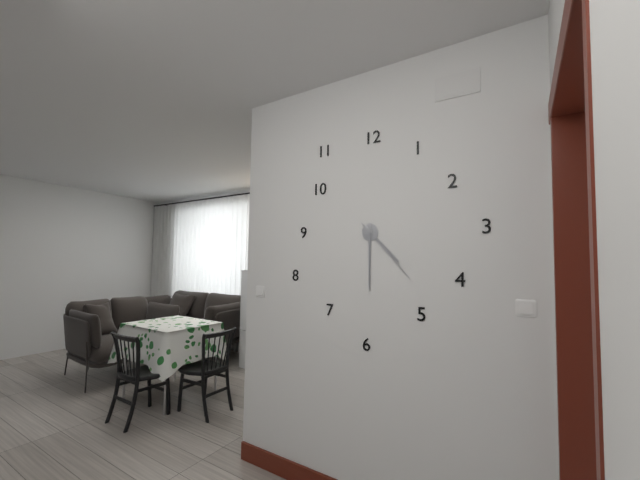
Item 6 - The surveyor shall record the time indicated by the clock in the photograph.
4:30:23
